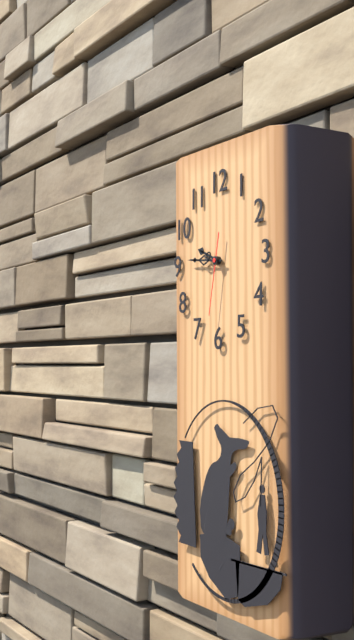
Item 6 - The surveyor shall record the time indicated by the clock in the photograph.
9:46:32
